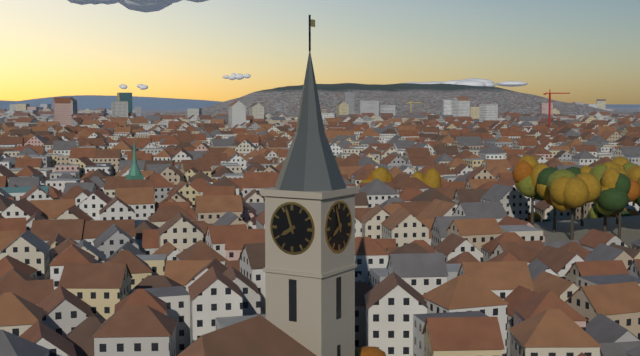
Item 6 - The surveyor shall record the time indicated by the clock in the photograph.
7:57
